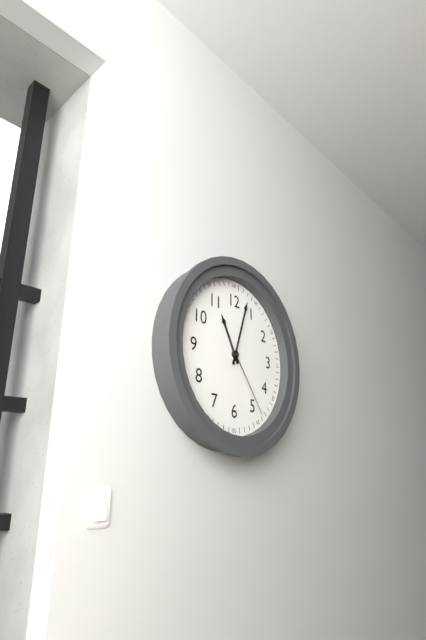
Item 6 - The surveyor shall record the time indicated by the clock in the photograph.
11:03:24
